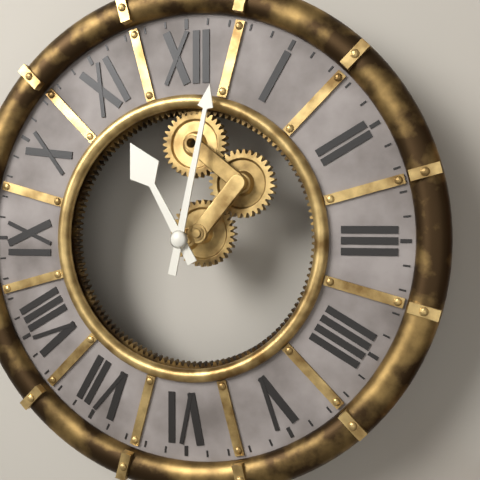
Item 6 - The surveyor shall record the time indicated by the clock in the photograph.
11:02
